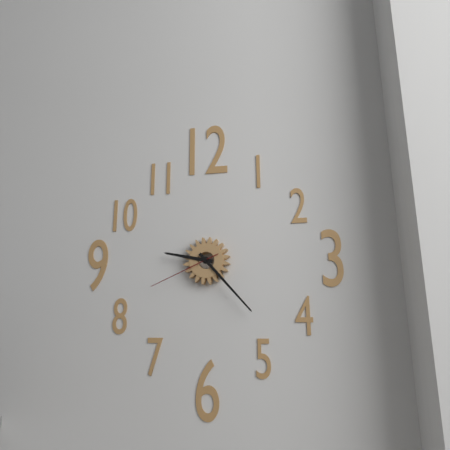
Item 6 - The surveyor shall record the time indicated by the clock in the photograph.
9:23:41
